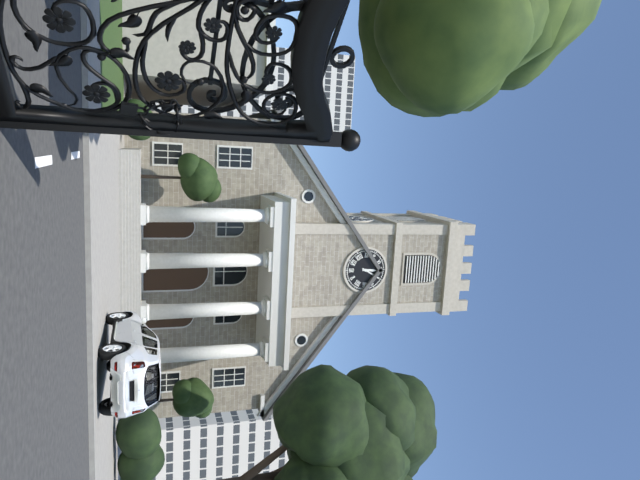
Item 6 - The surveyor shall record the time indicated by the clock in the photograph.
12:05
